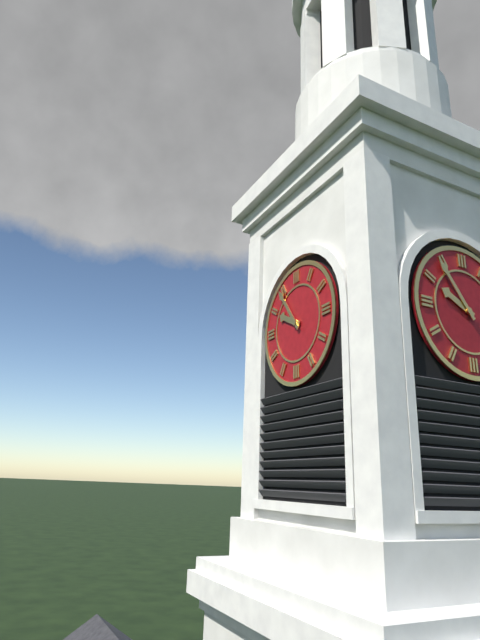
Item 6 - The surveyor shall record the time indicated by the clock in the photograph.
9:54
